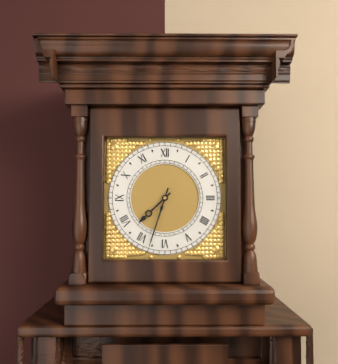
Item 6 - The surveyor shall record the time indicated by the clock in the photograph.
7:33
